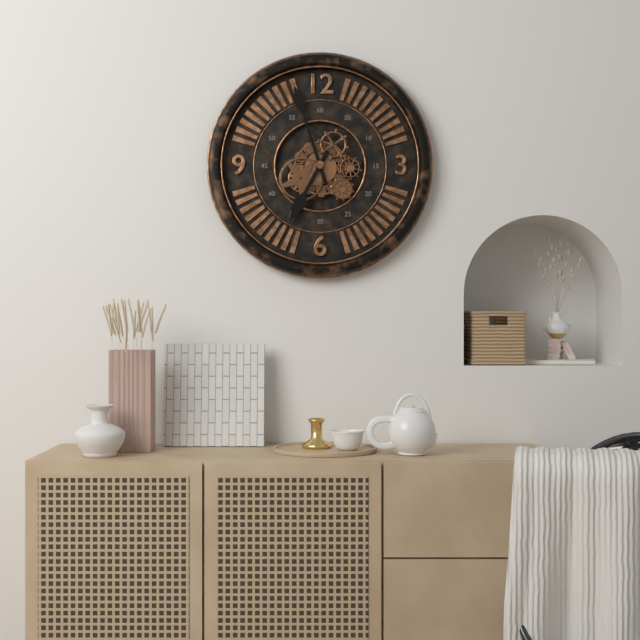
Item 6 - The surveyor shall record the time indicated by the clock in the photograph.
6:57
